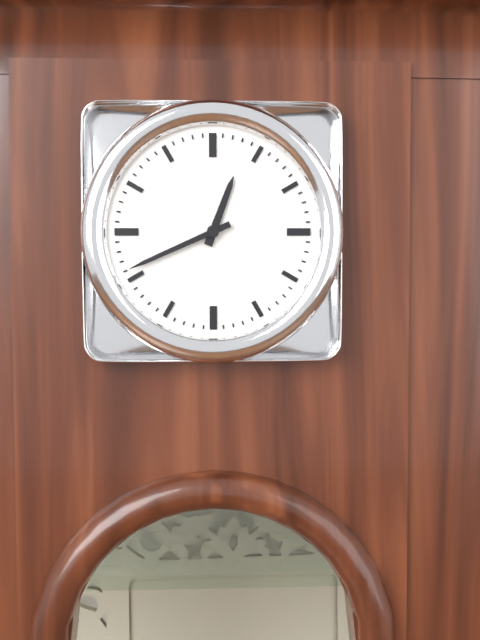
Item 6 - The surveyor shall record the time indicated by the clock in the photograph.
12:41
